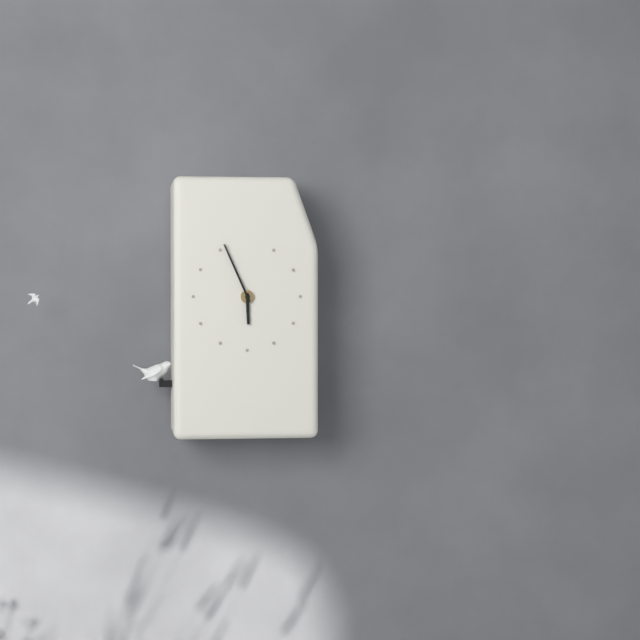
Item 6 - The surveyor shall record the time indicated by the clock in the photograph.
5:56
